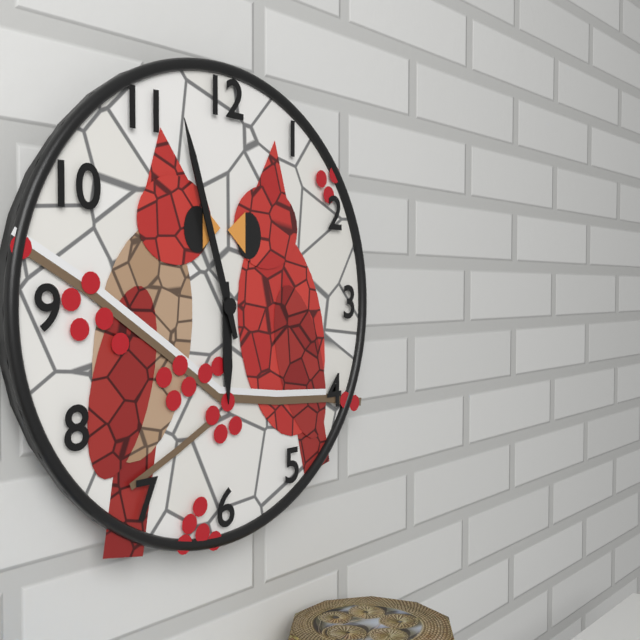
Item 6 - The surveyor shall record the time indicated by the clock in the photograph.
5:57
